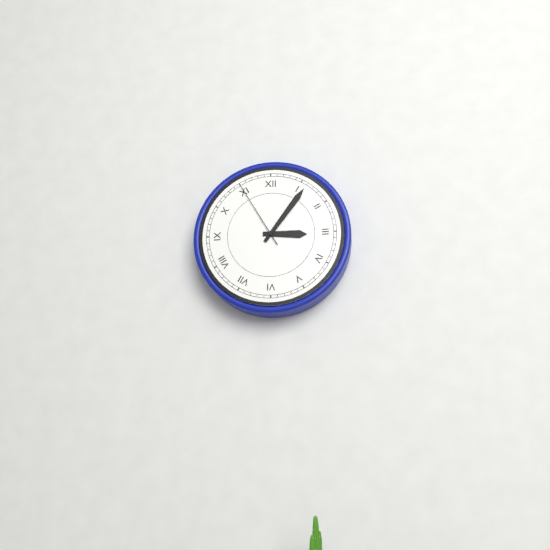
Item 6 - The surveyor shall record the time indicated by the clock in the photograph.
3:06:55
